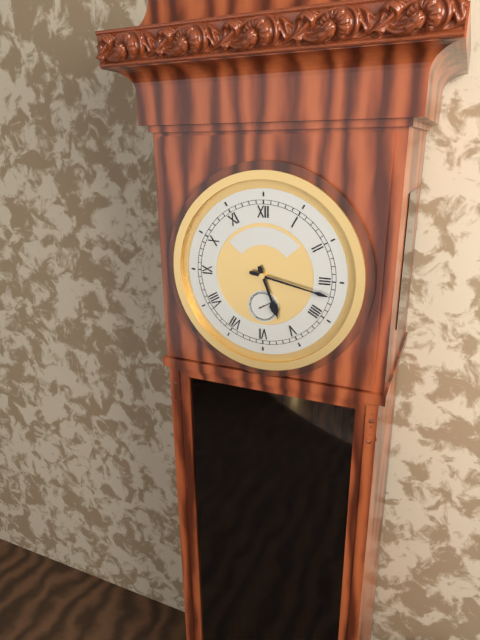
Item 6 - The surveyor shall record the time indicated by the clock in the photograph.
5:17
